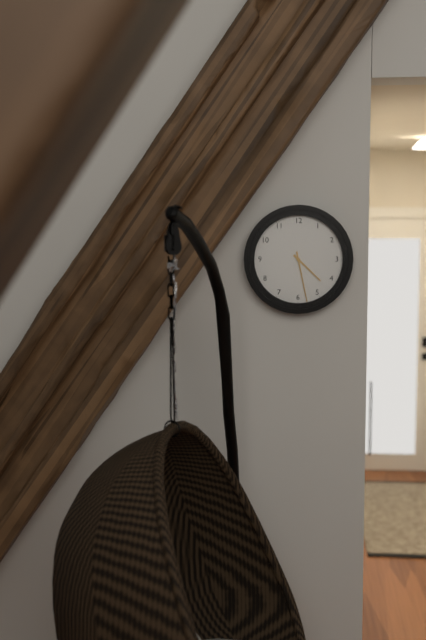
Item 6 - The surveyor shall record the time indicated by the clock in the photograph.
4:28
